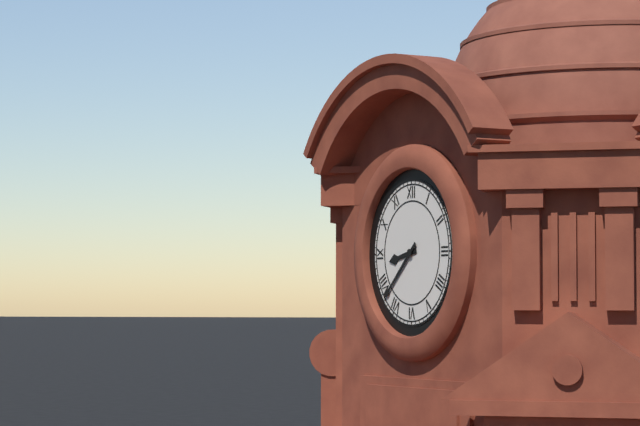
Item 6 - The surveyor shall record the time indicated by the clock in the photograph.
8:38
